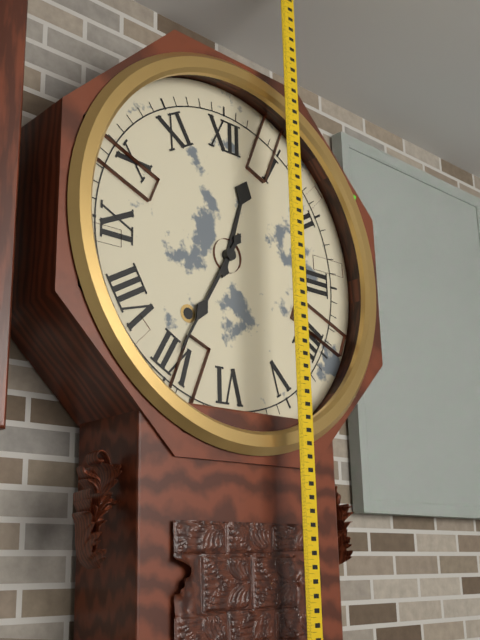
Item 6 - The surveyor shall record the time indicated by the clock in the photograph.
12:35
